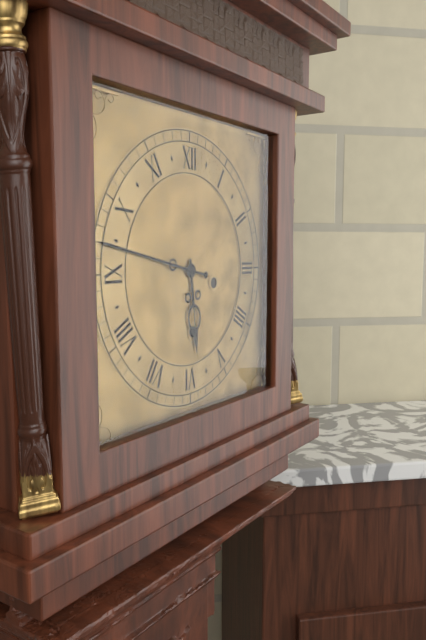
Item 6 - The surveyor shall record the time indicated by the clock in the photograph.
5:47
